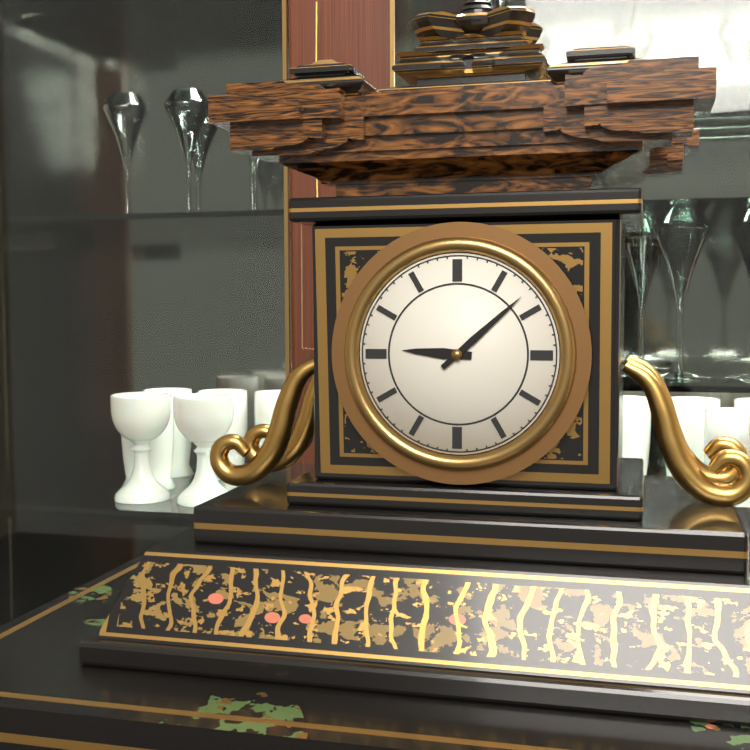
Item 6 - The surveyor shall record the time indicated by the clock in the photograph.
9:08
